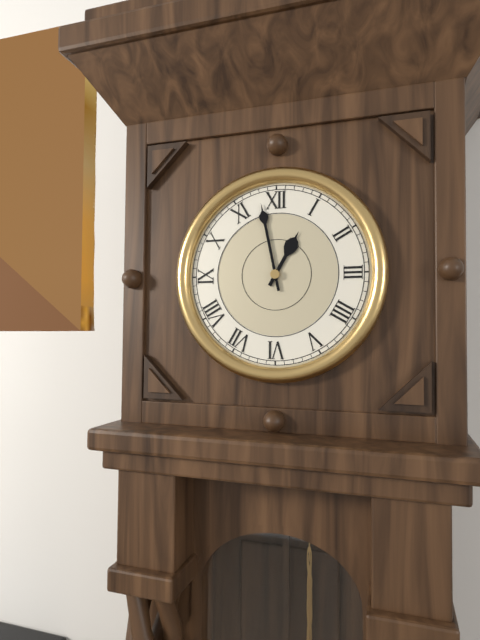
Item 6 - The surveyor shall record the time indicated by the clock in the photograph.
12:58
